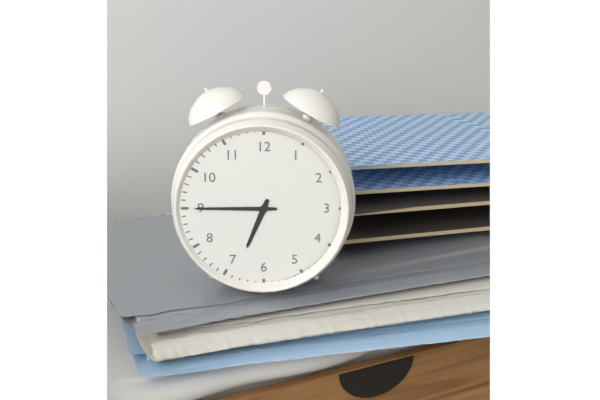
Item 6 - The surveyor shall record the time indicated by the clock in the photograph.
6:45
